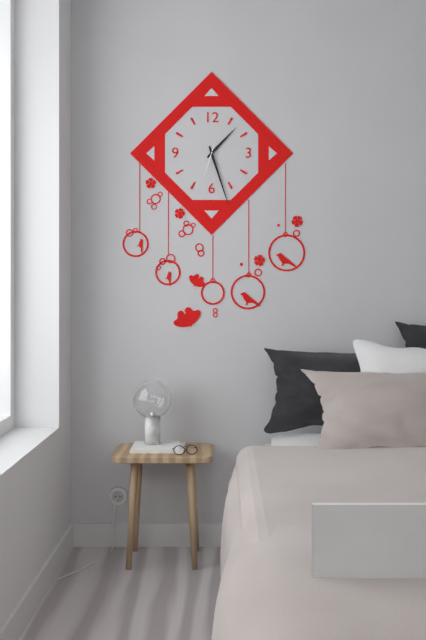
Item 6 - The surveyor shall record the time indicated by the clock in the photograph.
1:27
